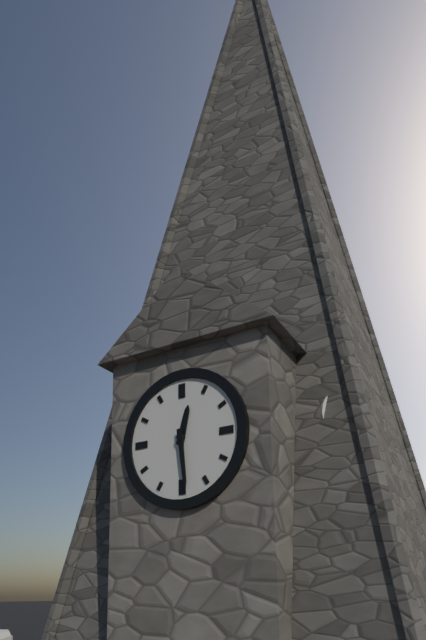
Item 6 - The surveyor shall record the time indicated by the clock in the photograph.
12:29
